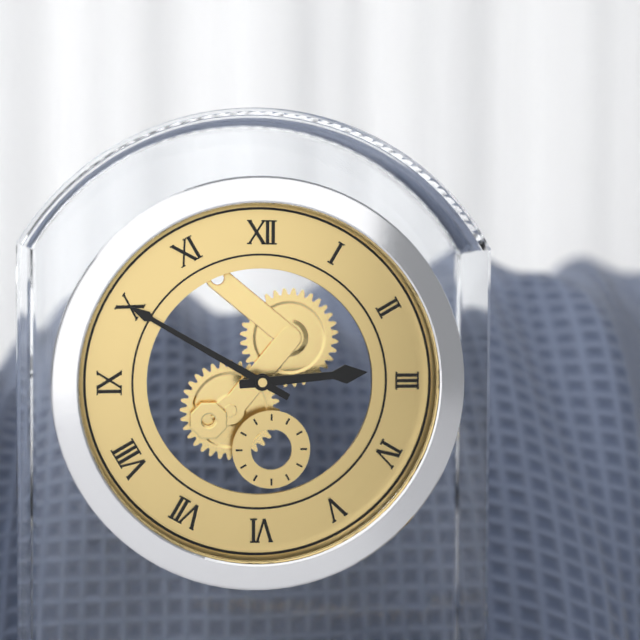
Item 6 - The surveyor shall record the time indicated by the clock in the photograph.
2:50
